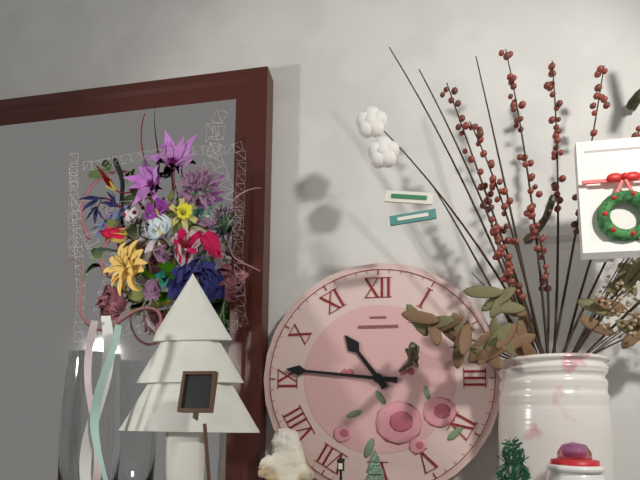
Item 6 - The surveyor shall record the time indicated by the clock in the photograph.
10:46
